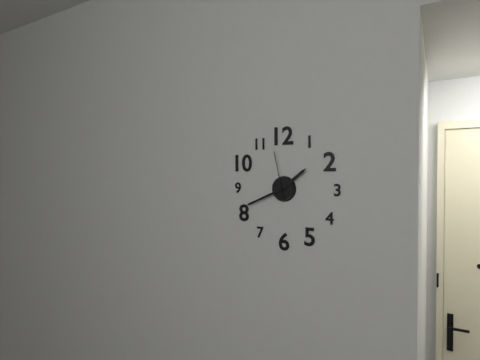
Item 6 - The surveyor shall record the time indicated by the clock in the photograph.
1:41:58
